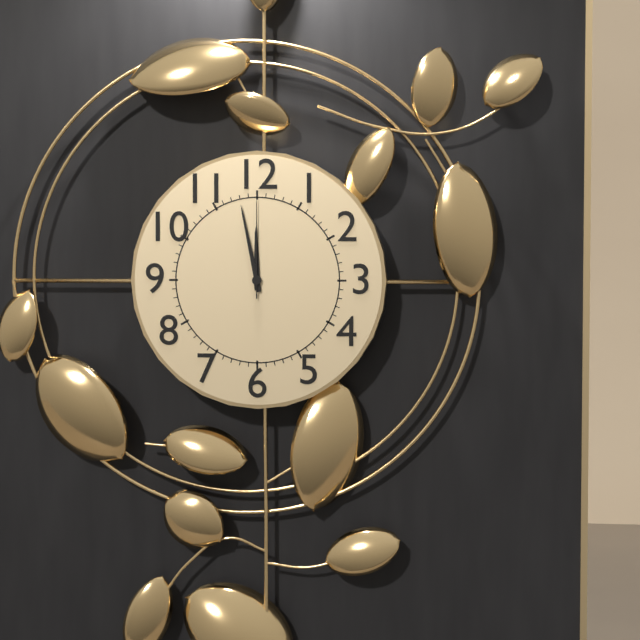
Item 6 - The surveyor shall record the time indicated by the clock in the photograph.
11:58:00
